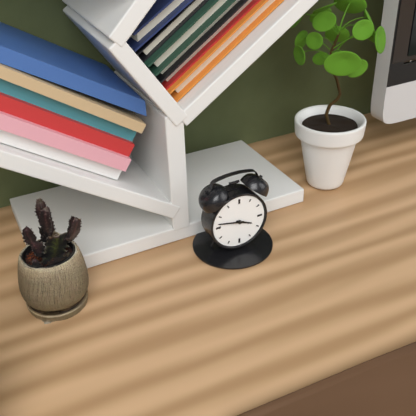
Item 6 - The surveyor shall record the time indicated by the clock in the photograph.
3:47
